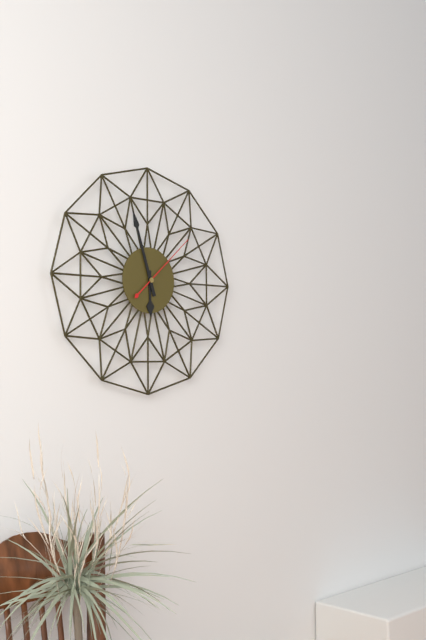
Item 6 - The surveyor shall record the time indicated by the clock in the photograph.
5:57:08
